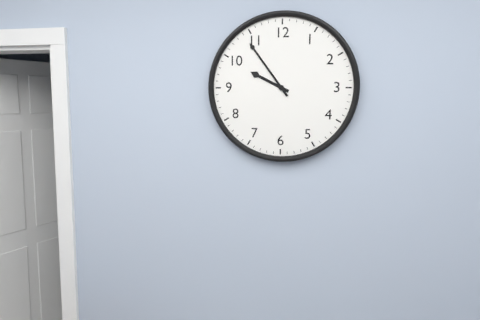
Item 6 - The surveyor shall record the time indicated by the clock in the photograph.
9:54
